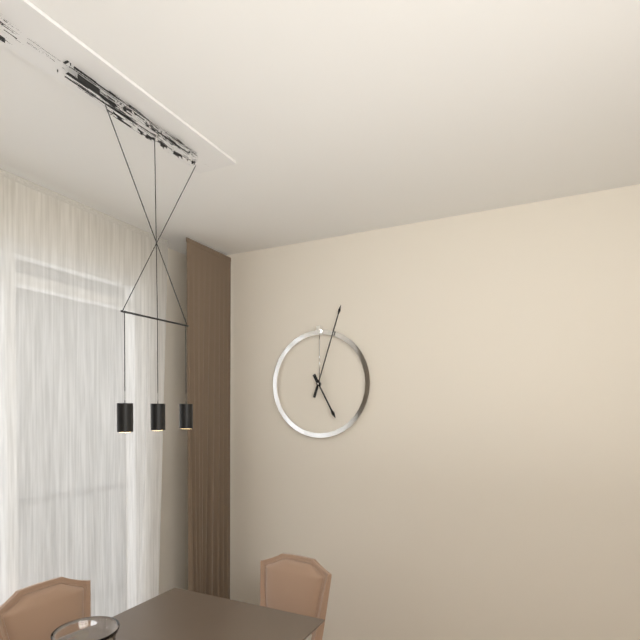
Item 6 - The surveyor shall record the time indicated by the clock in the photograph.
5:03
